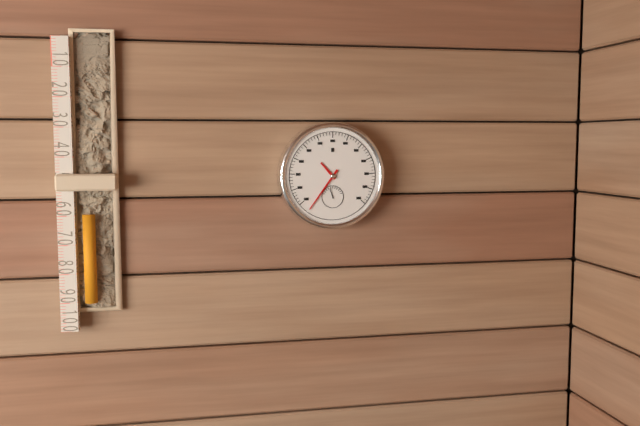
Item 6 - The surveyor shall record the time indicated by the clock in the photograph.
10:36
